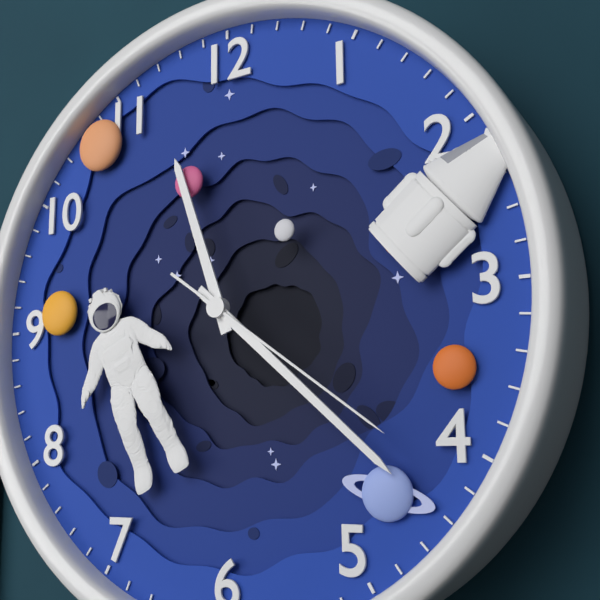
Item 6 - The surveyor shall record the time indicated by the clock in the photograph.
11:22:21
